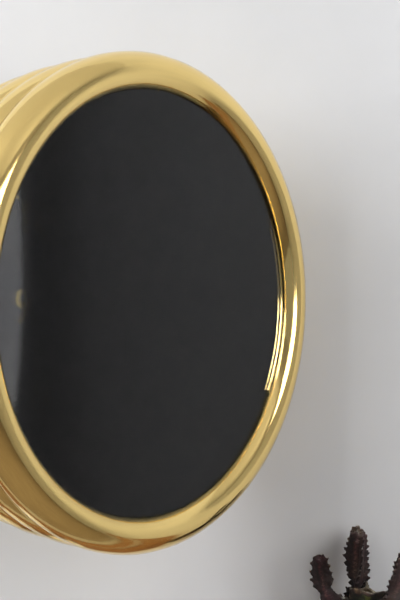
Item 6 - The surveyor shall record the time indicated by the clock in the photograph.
12:31:19
